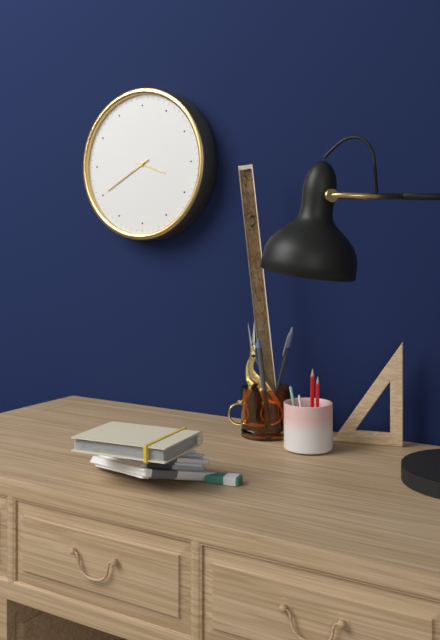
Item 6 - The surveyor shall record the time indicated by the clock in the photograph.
3:40
